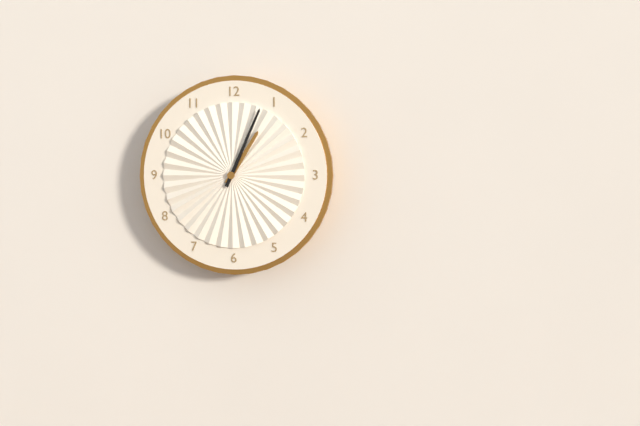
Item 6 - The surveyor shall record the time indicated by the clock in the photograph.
1:04
